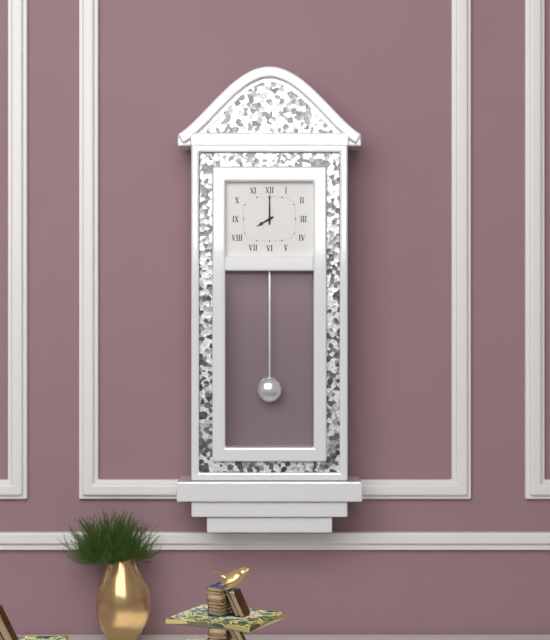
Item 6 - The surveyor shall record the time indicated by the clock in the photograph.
8:00
